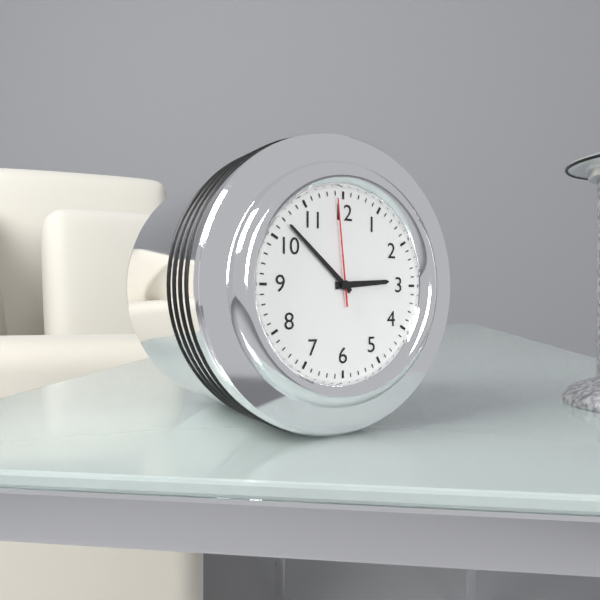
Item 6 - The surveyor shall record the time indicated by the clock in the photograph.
2:52:59
